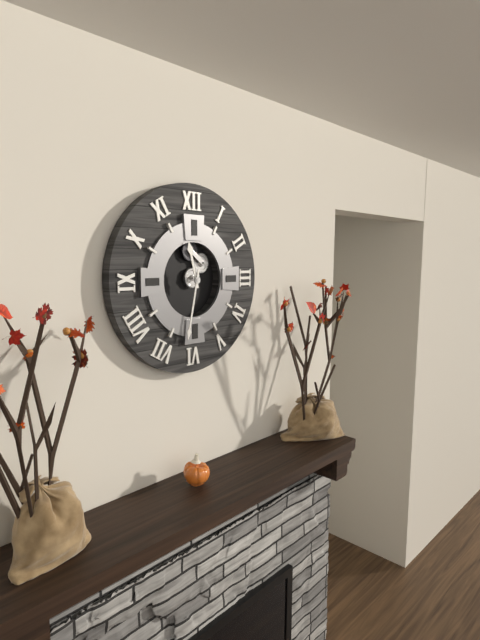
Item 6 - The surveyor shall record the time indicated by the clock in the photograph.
11:32
